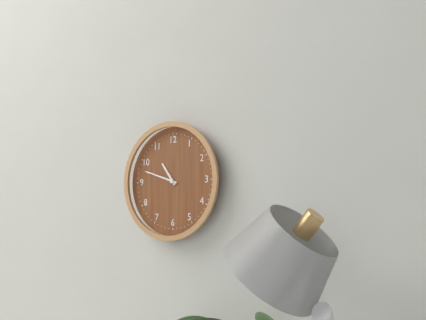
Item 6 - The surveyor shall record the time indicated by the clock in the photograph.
10:48
